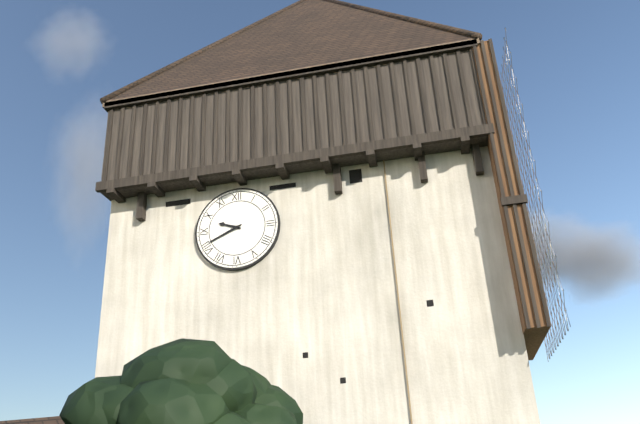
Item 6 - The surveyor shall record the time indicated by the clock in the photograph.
9:41
